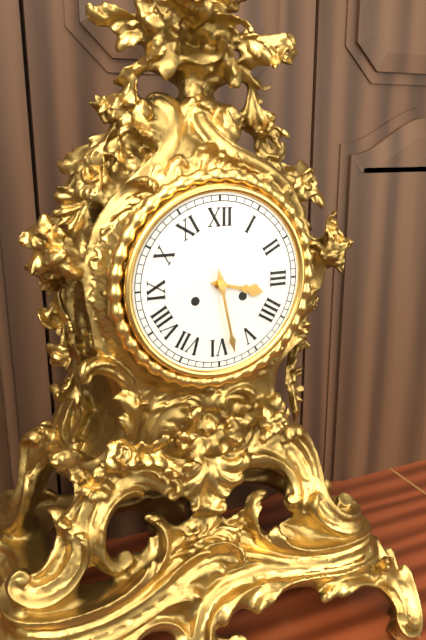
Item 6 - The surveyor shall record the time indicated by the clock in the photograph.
3:28
